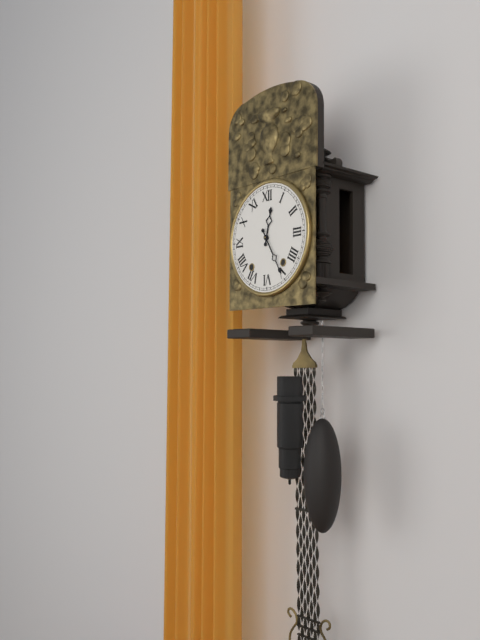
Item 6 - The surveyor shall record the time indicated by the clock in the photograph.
12:25
